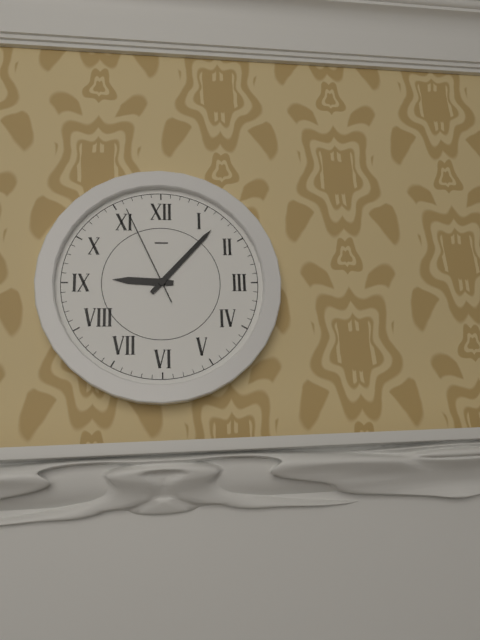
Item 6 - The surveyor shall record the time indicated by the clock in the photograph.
9:07:56
